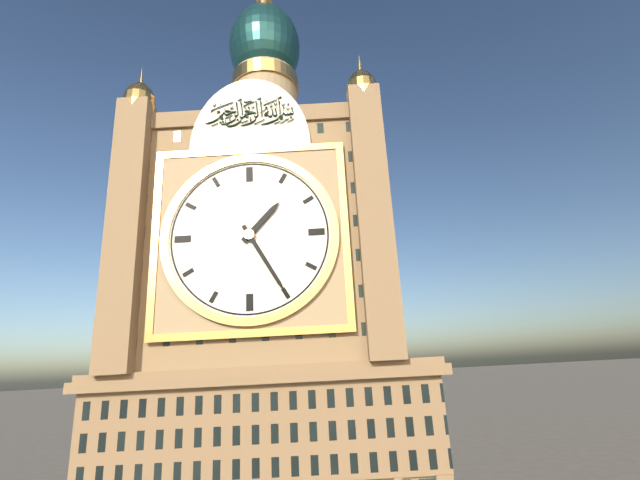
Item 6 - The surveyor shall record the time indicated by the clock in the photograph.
1:25
